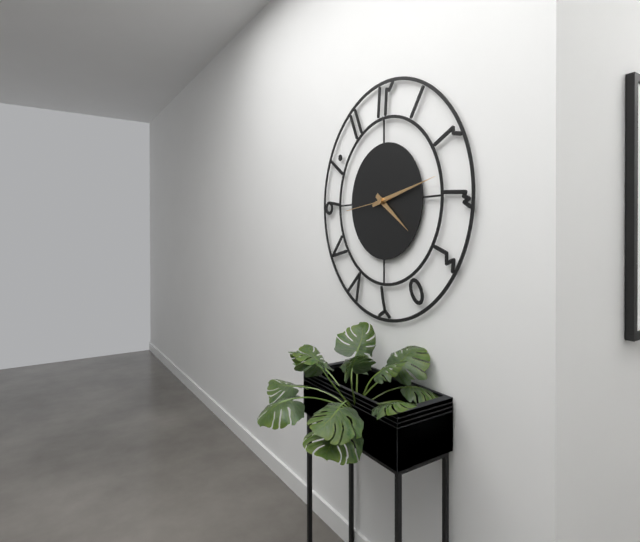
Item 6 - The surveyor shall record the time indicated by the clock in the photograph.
4:13
